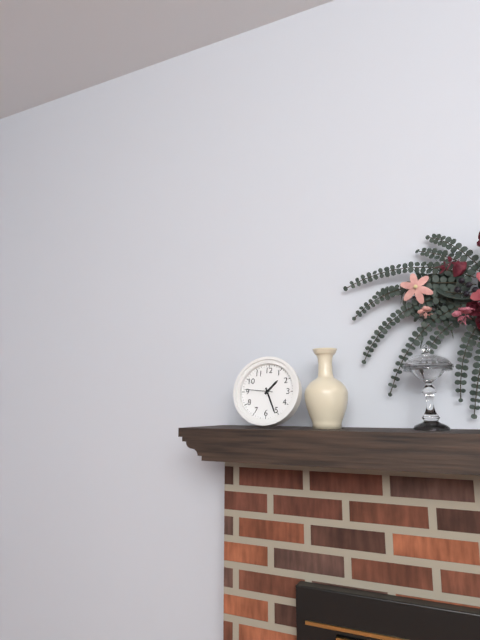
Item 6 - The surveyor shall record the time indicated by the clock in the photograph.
1:26
